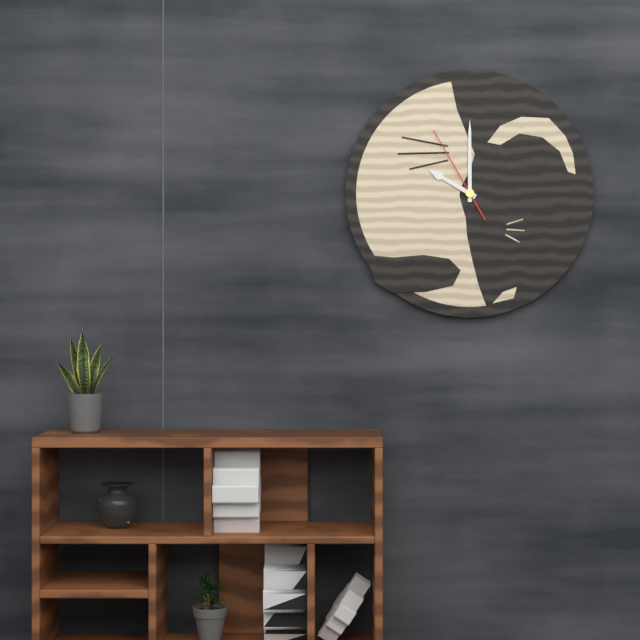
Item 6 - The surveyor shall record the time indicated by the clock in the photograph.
10:00:55
